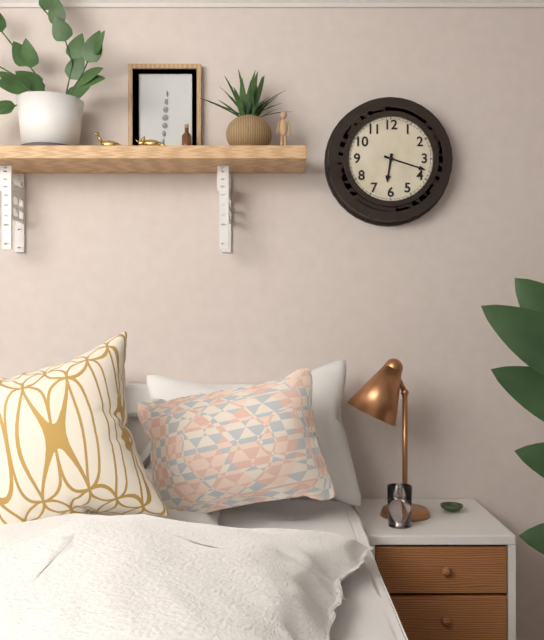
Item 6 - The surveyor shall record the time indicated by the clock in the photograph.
6:18
